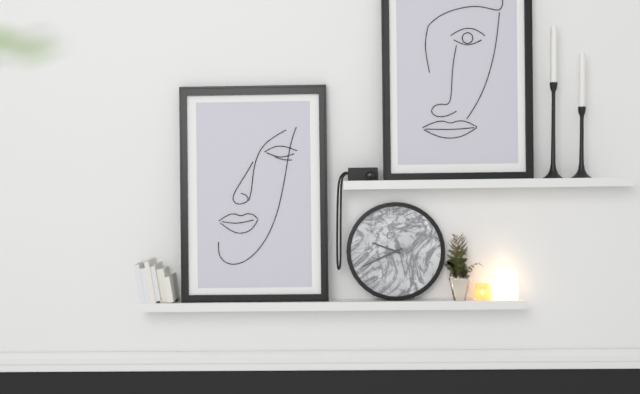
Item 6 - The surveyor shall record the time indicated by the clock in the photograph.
9:41
